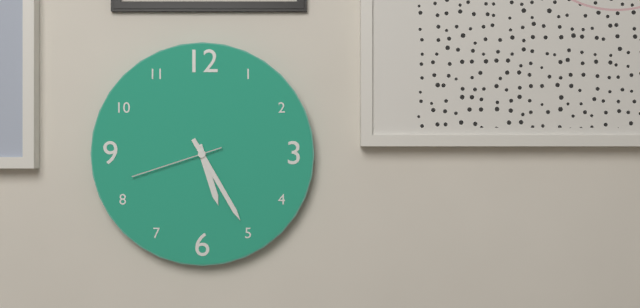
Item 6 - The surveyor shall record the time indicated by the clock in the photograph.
5:25:42
